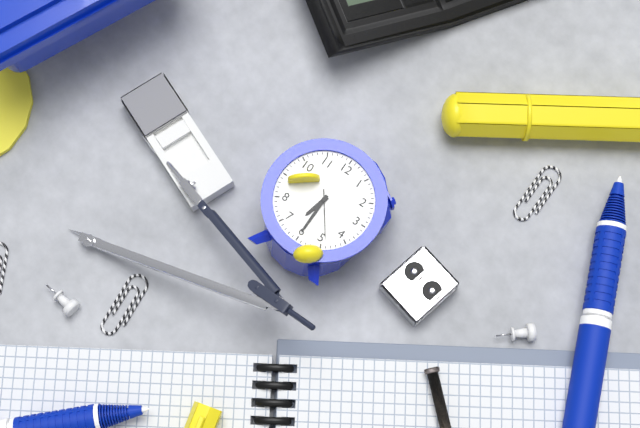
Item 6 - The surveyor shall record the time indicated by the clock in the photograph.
6:30:24
